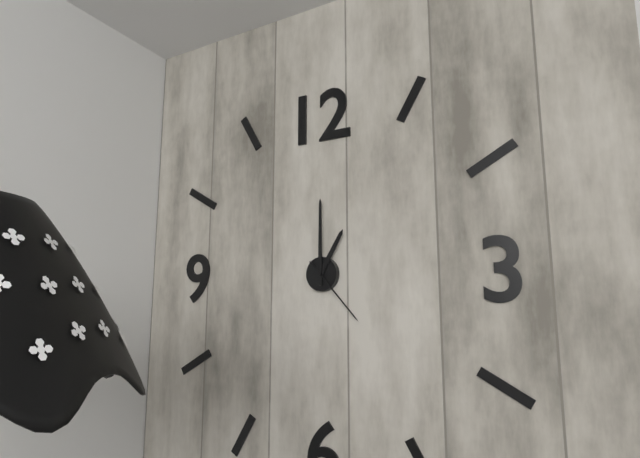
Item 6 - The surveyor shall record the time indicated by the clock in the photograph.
1:00:23
